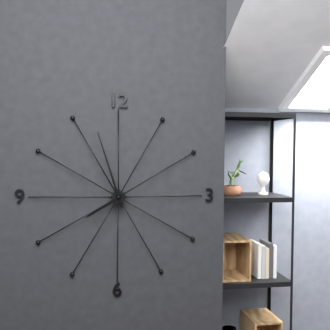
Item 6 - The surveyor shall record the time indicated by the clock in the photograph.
7:57
